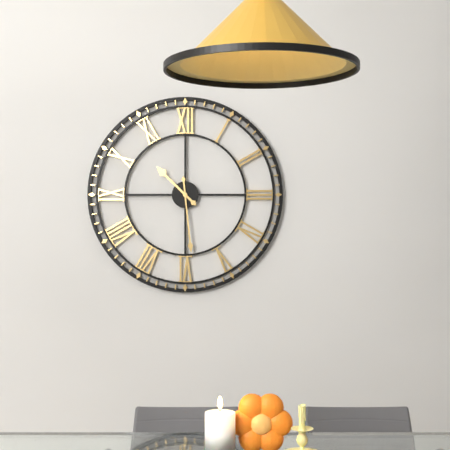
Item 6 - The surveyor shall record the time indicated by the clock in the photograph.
10:29
